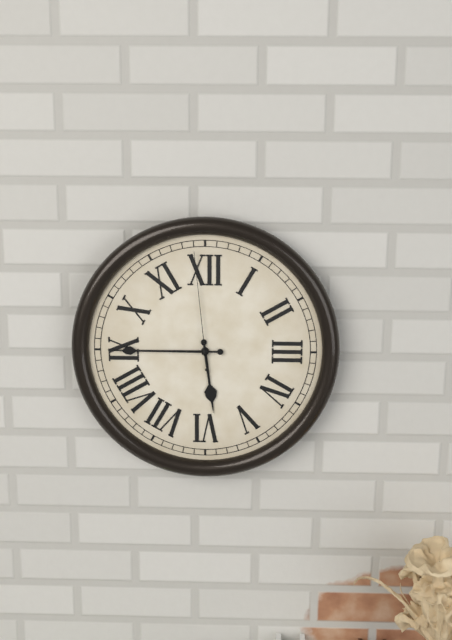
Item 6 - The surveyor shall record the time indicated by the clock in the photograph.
5:45:59
